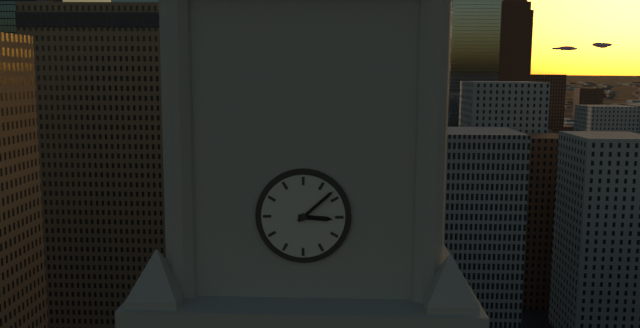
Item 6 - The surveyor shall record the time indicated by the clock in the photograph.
3:08
